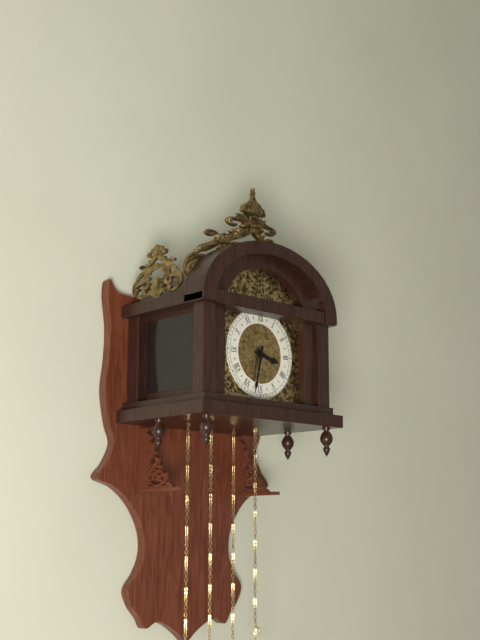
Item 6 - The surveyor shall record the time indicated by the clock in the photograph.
3:32
